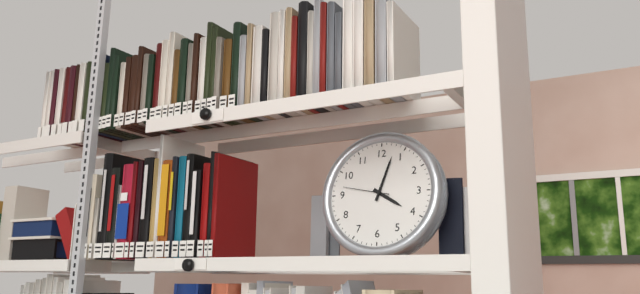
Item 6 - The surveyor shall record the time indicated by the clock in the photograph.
4:03
